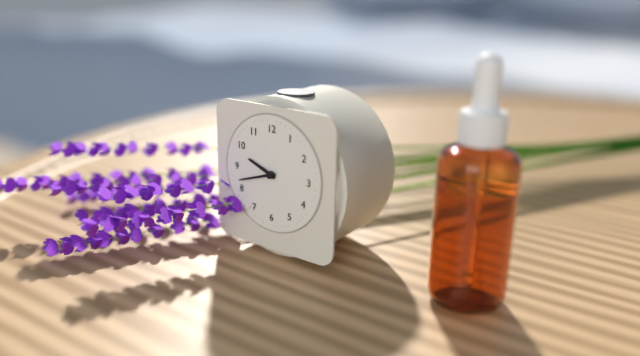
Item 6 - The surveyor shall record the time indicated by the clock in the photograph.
9:42
